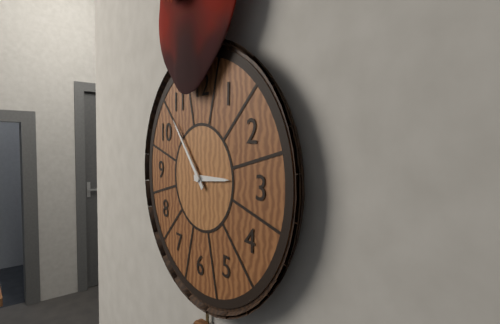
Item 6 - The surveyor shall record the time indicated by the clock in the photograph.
2:53
